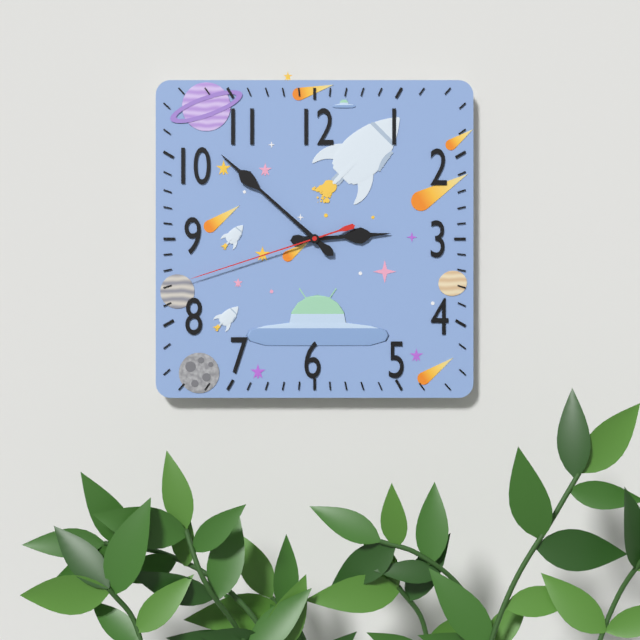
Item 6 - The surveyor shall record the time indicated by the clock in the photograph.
2:52:42
